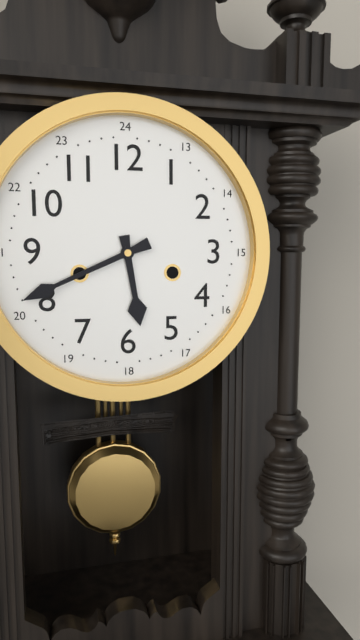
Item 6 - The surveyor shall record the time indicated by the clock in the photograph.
5:41
